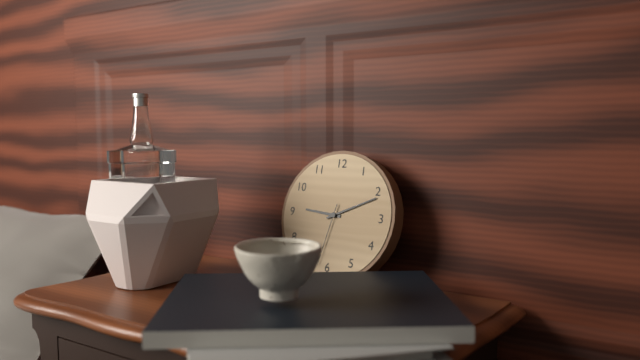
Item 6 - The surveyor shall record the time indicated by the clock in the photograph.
9:11:32
